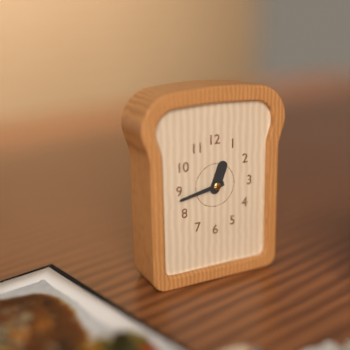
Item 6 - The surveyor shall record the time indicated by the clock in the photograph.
12:43
